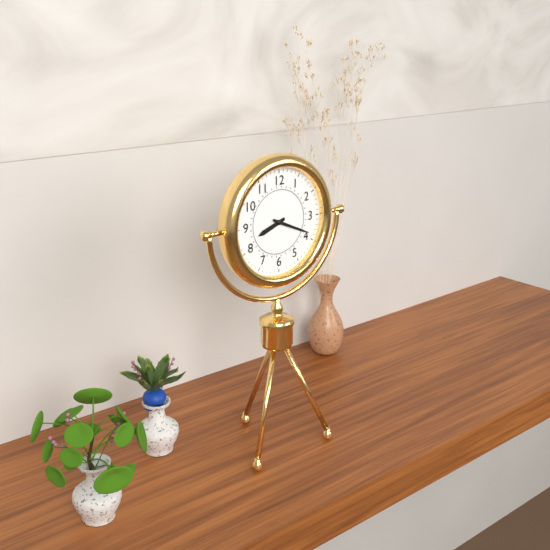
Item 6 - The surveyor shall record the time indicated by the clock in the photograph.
8:19
